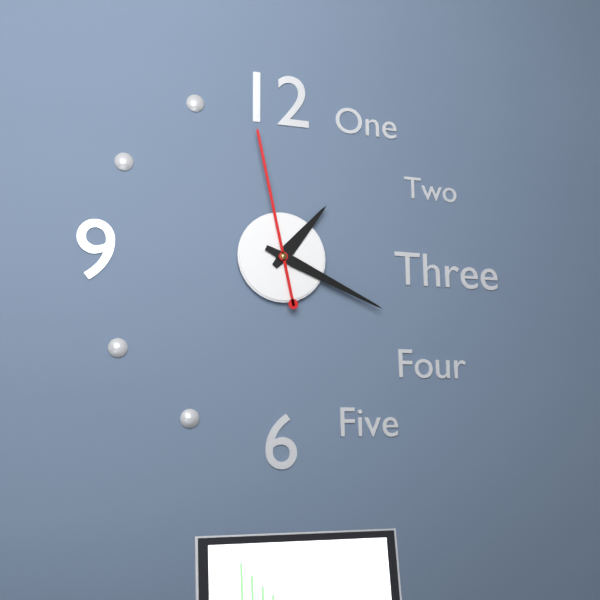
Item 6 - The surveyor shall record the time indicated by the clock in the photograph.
1:19:58
